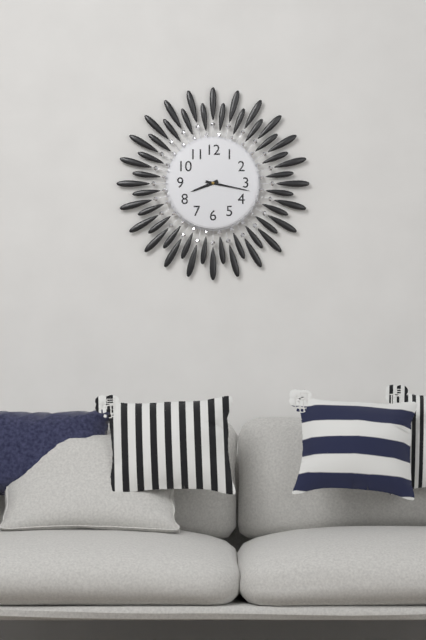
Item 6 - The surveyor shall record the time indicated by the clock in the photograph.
8:17
